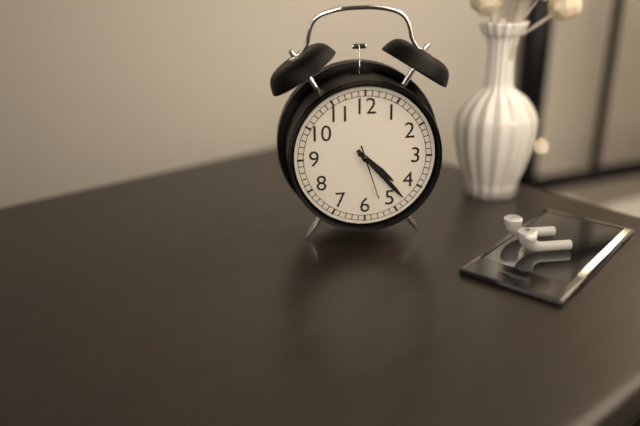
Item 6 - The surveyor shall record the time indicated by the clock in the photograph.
4:23:27
